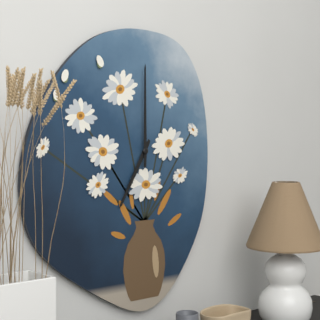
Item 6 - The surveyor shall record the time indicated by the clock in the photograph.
7:00
